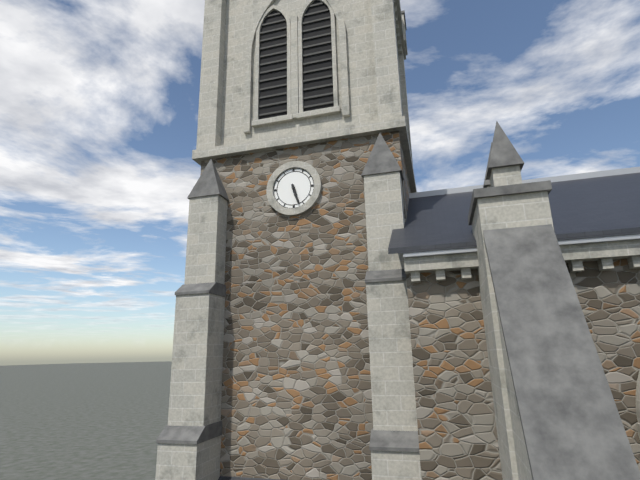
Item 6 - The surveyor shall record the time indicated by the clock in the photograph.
5:27
